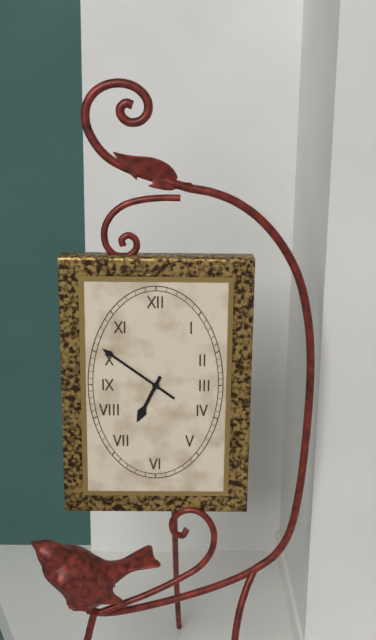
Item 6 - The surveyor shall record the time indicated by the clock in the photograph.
6:51
